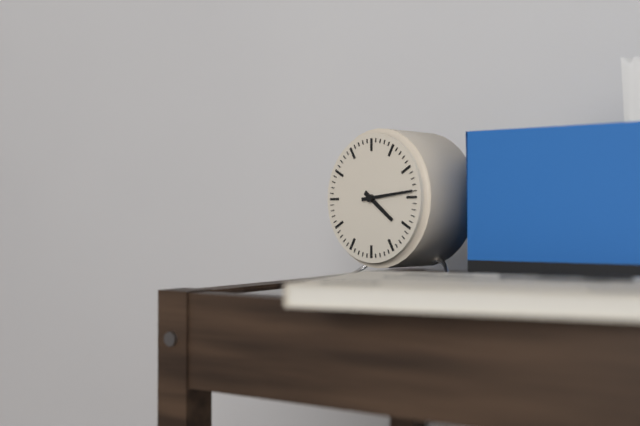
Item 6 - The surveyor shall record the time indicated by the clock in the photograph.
4:14
